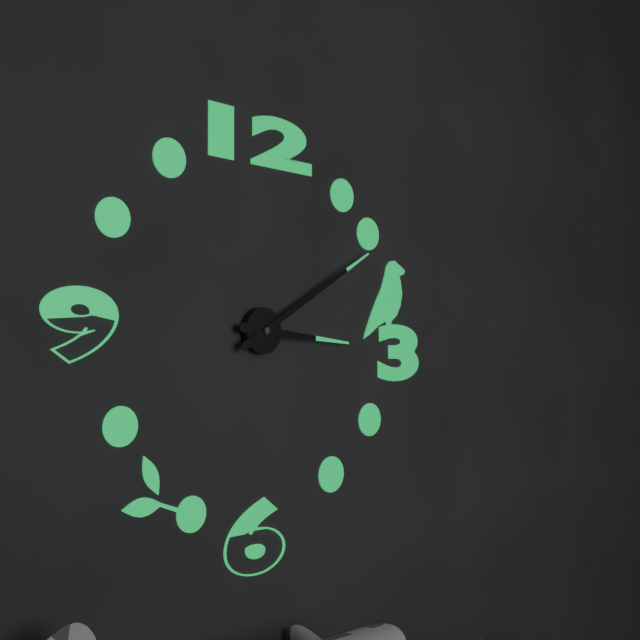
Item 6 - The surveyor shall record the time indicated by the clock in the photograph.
3:10
